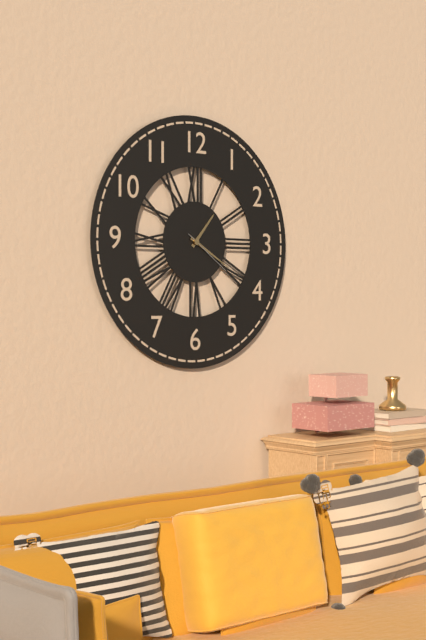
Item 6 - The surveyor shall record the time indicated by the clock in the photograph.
1:20:21
